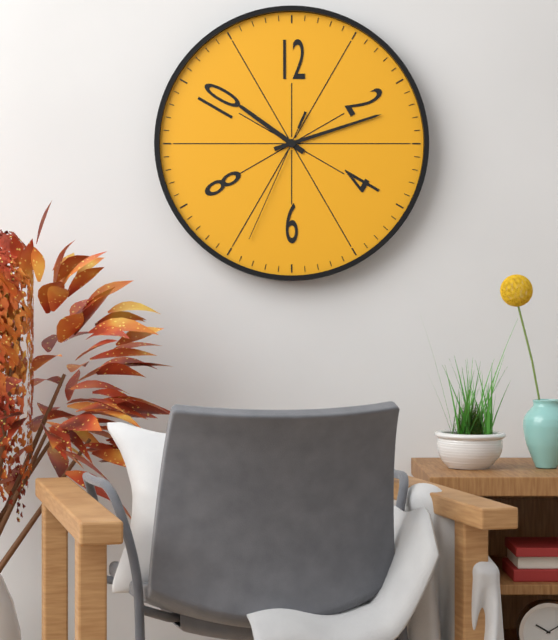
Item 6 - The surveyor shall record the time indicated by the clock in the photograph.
10:12:34
